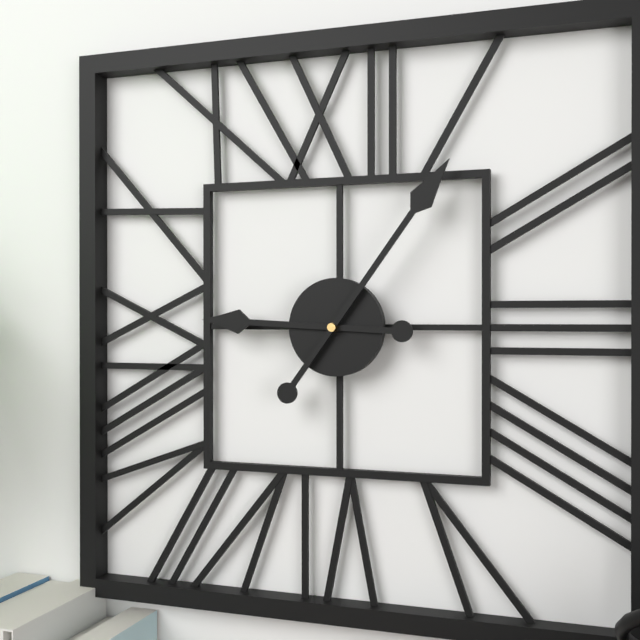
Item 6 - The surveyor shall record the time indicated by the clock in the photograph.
9:06
